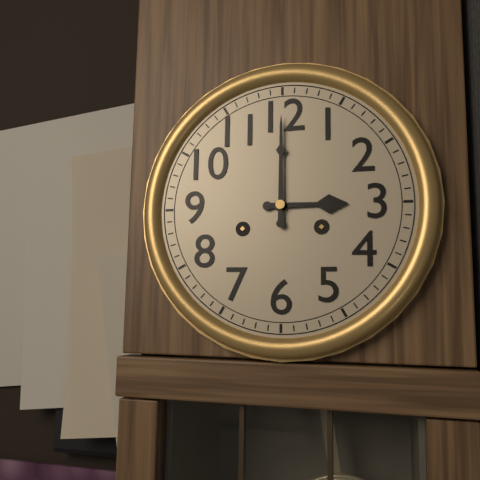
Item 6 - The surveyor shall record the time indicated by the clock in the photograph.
3:00
